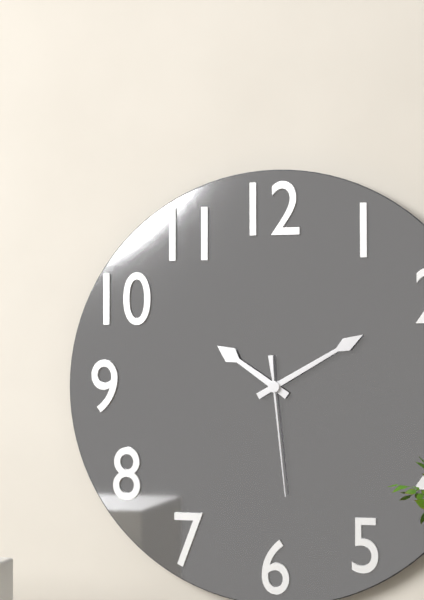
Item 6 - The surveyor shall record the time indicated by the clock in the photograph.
10:10:29
